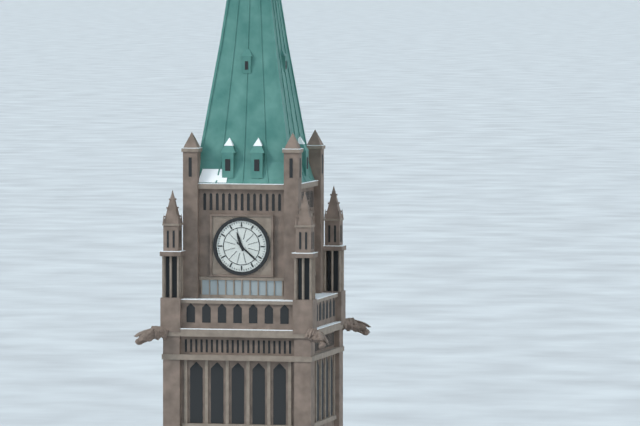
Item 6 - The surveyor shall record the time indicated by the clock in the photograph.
11:22
